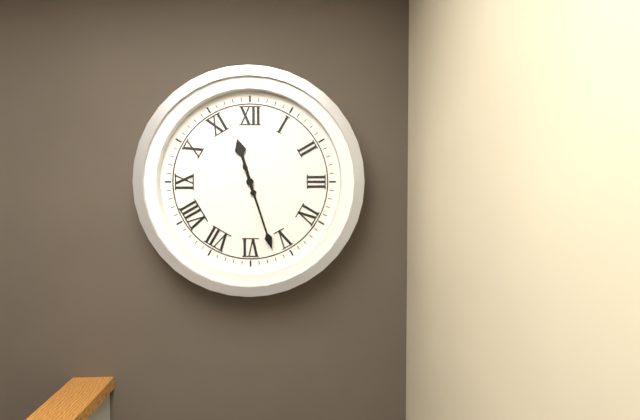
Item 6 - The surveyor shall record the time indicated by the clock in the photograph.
11:27
